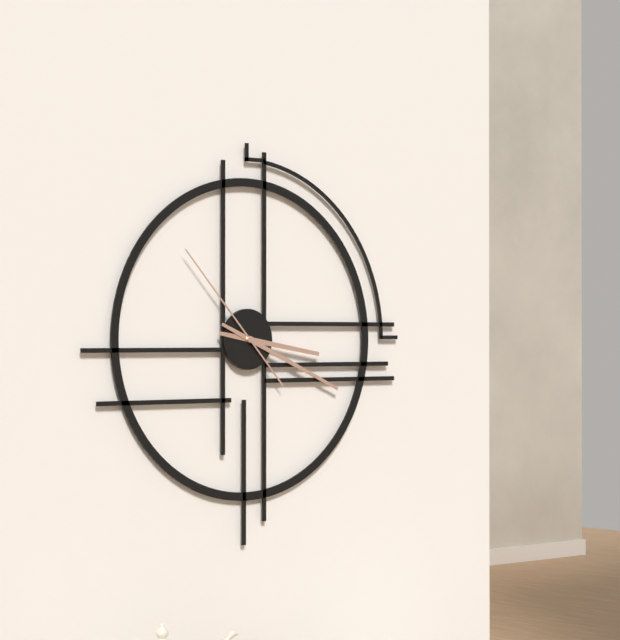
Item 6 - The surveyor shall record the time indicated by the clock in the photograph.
3:19:53
